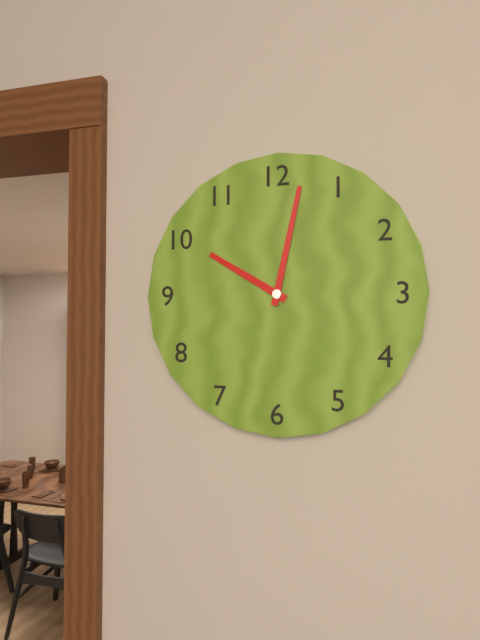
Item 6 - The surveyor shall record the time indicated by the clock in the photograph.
10:02
